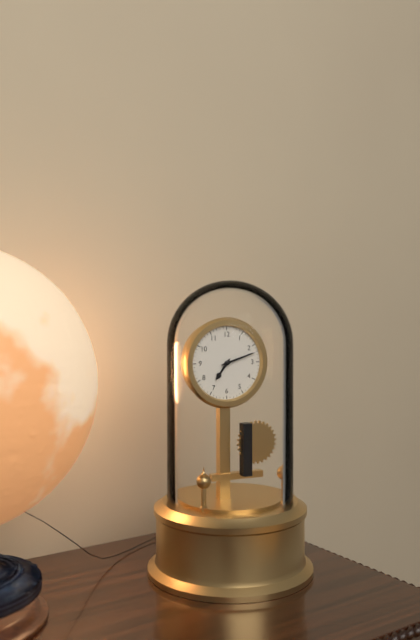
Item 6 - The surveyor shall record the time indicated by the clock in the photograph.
7:12
